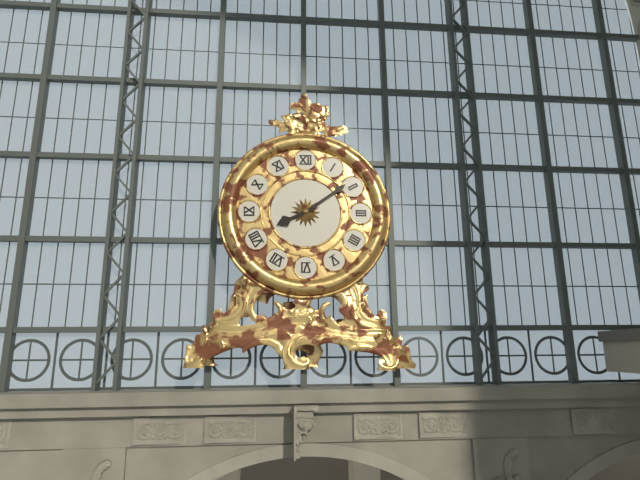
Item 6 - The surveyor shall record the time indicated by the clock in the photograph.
8:09
